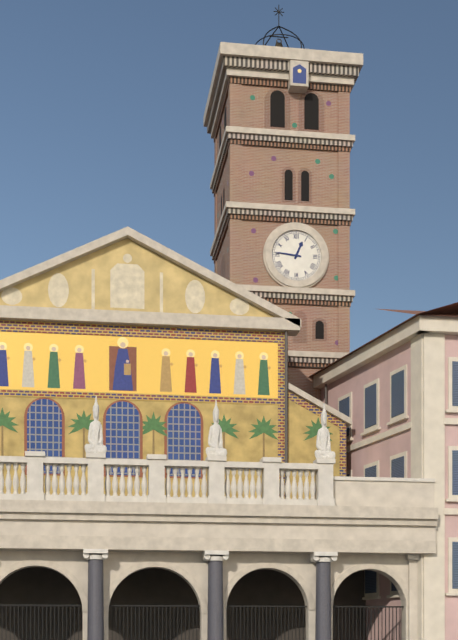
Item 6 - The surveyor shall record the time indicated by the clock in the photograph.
12:46
